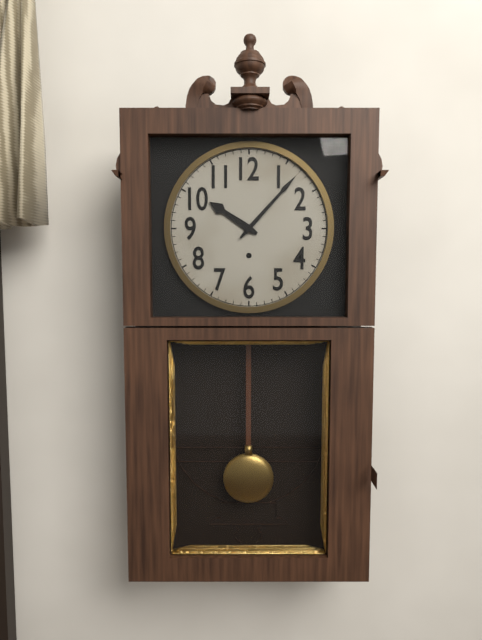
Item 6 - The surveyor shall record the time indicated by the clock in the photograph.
10:07
